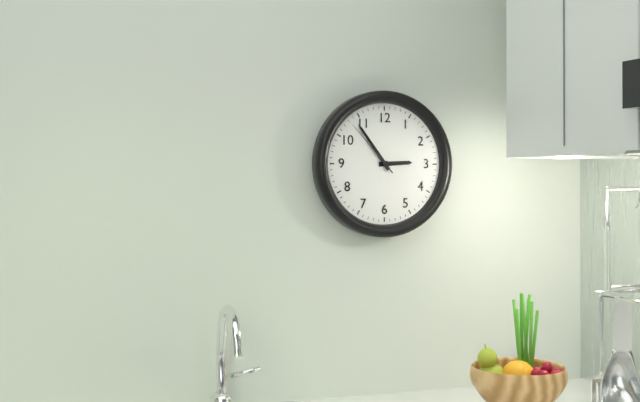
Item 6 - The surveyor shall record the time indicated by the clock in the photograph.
2:54:53
